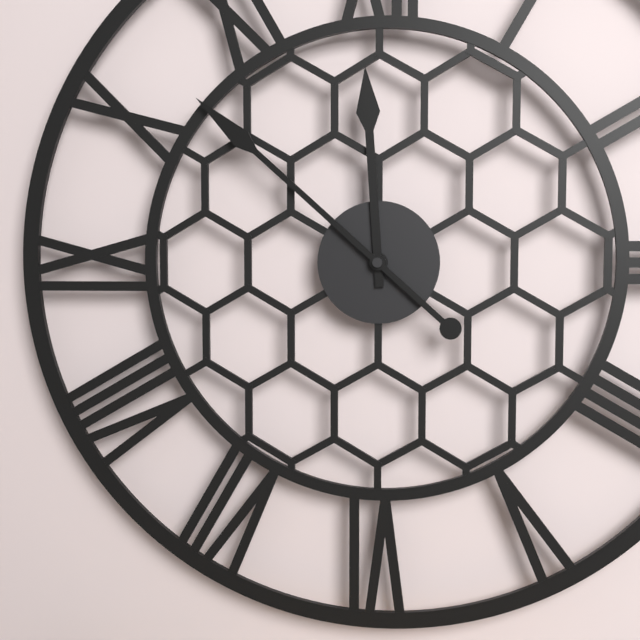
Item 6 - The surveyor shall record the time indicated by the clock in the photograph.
11:52
